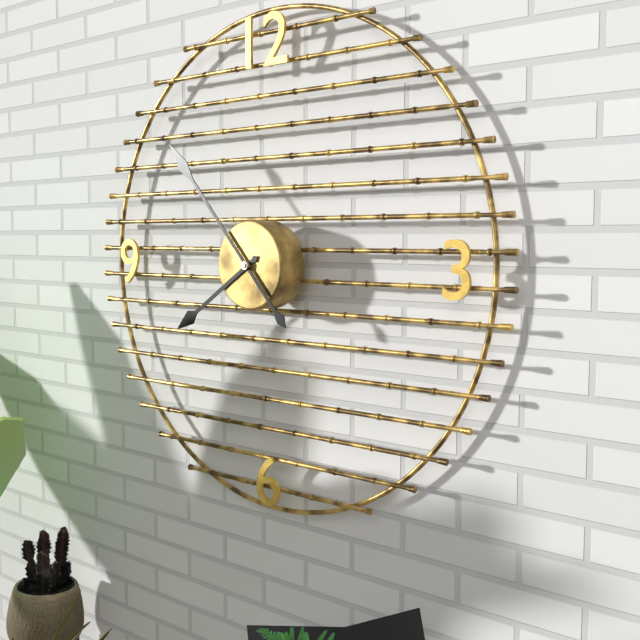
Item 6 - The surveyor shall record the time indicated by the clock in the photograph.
7:53
